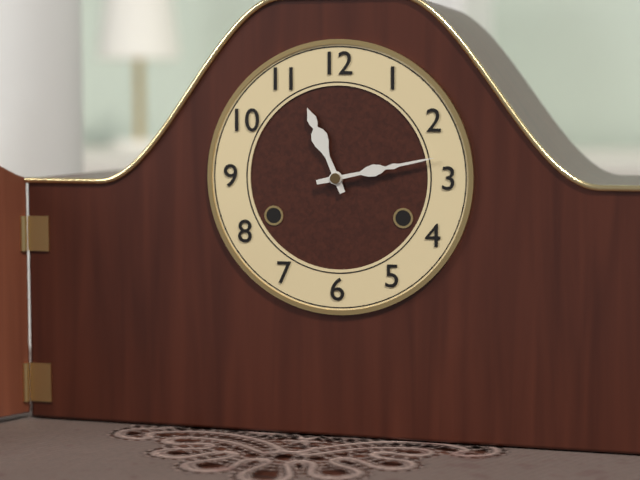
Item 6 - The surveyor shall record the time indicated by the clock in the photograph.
11:13
